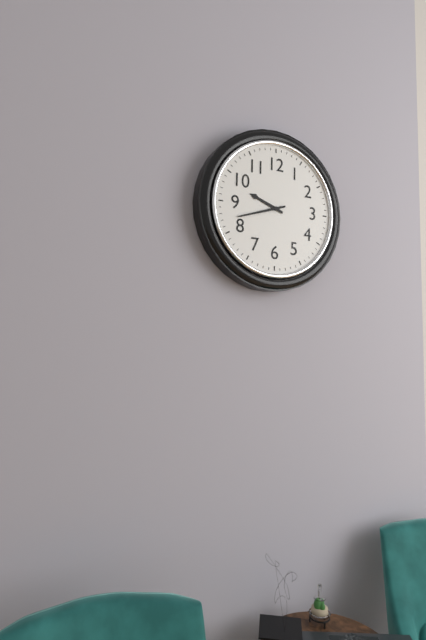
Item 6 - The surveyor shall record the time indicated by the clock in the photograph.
9:42
